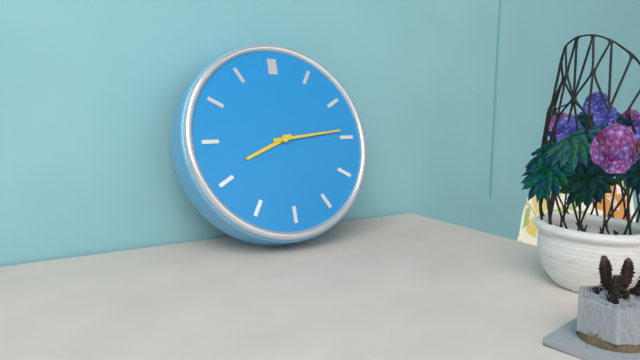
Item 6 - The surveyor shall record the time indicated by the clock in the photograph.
8:14
